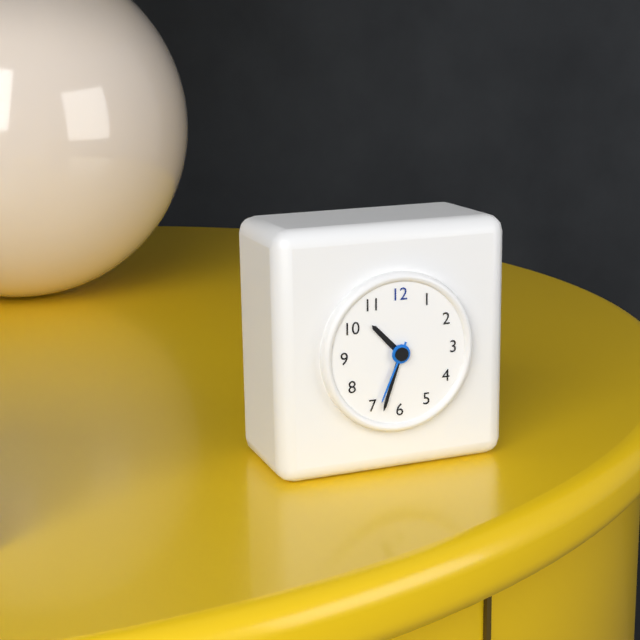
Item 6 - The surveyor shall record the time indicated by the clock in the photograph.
10:33:34
